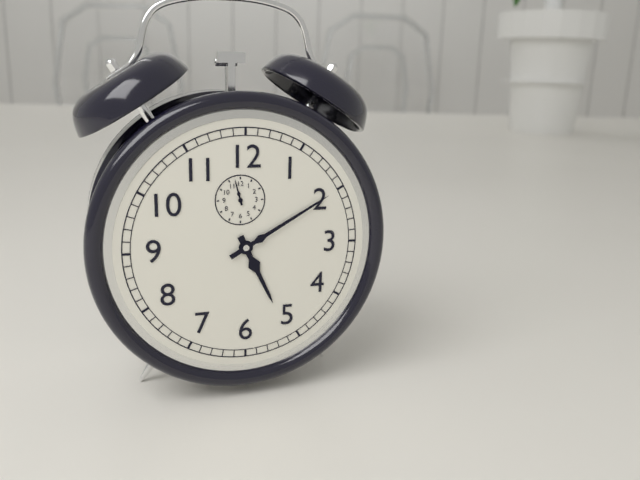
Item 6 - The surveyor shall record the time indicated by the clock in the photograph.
5:10
